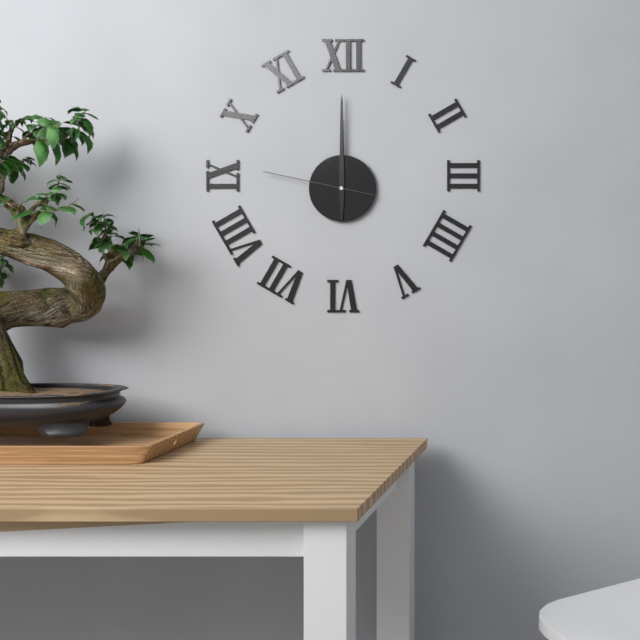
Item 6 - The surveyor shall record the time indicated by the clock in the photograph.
12:00:47
